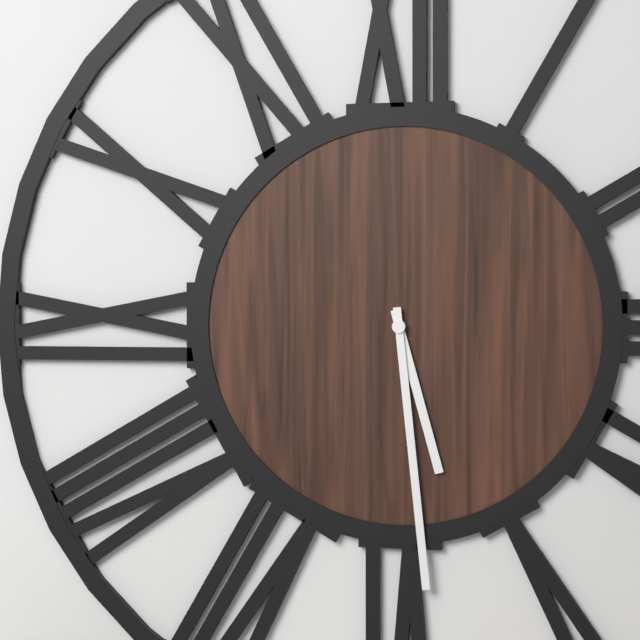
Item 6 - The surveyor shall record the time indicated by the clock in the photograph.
5:29
